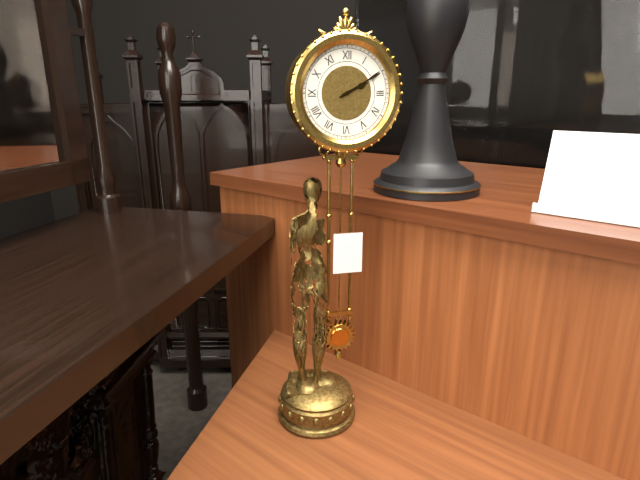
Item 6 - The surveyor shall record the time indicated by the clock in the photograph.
2:10
